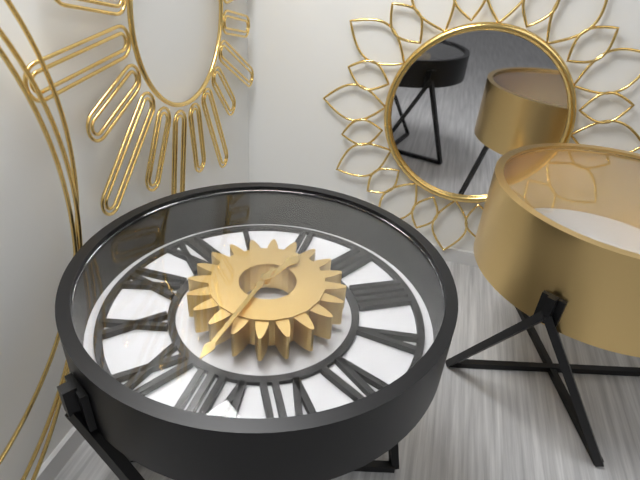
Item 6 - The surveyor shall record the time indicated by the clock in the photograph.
2:41
